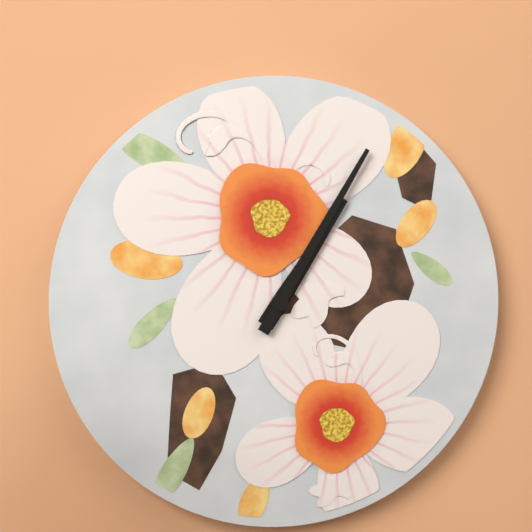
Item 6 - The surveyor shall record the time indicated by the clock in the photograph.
1:05
